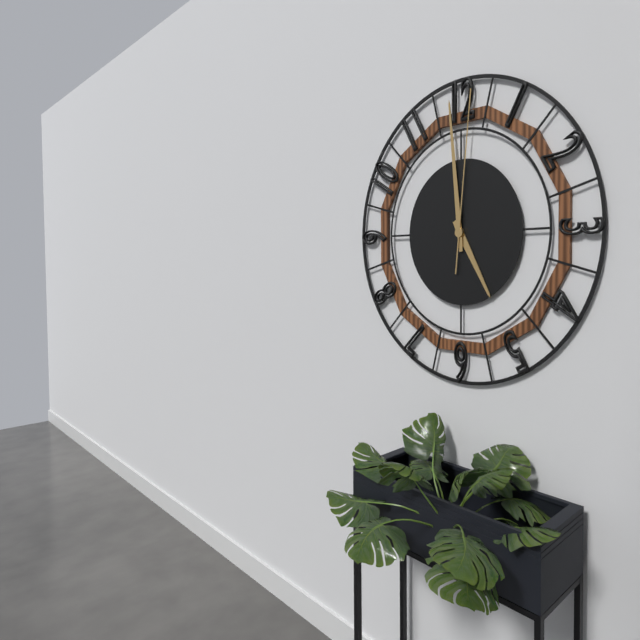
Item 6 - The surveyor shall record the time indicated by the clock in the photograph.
4:59:01
